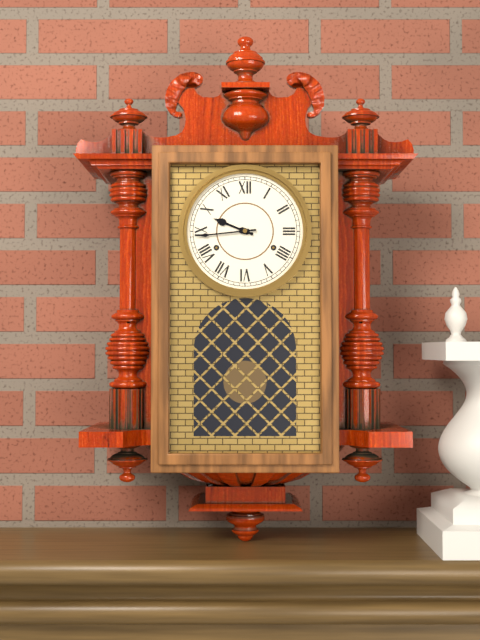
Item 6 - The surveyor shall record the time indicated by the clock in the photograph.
9:44
